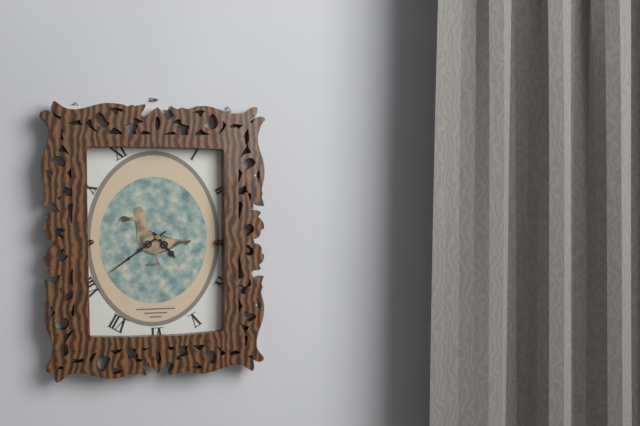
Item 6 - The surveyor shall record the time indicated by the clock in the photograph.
4:39
